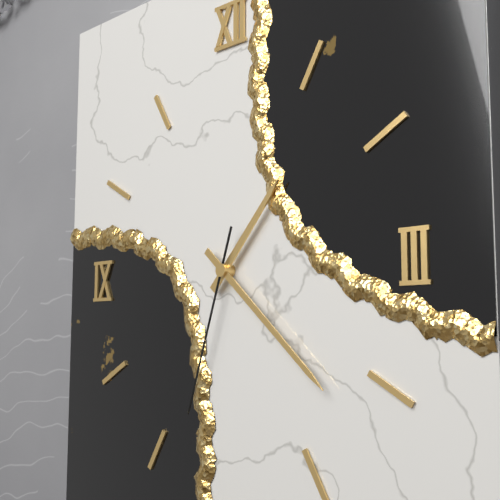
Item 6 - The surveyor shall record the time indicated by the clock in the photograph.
1:22:33
